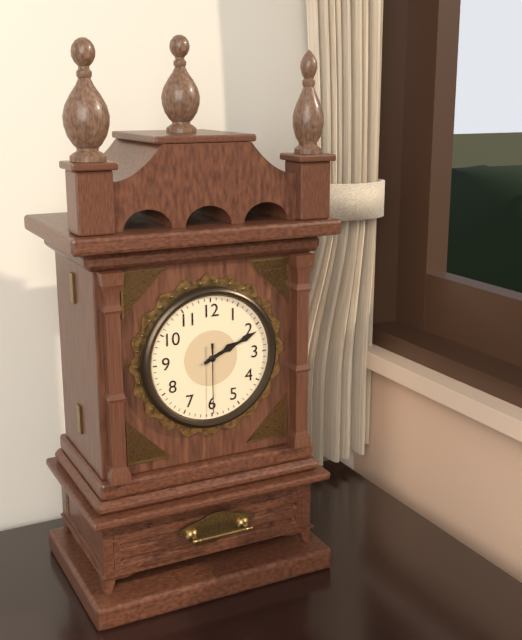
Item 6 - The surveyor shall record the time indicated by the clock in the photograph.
2:11:30
